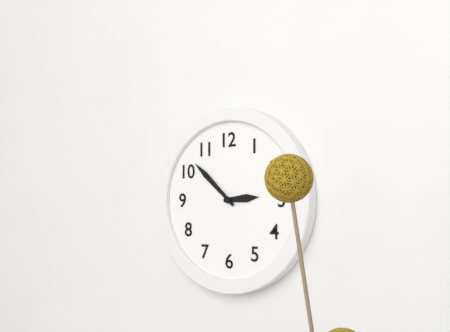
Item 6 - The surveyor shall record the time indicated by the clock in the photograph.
2:52
